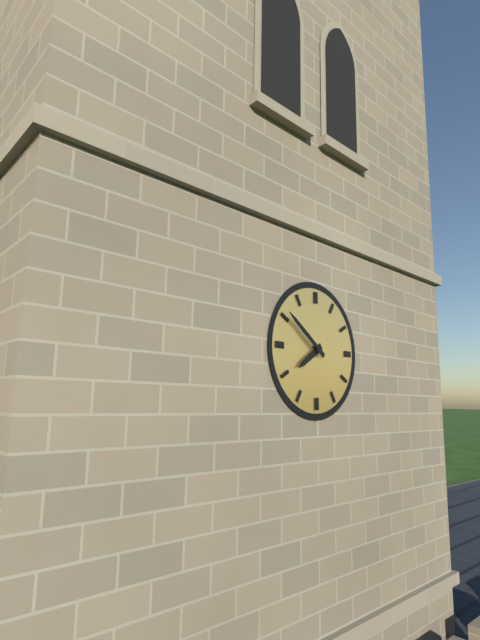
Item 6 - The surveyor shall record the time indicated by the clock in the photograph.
7:51
